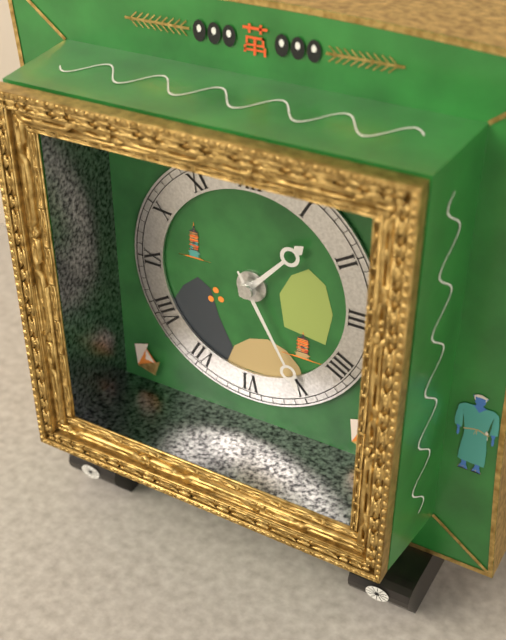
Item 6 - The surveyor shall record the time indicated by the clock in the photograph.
1:25
